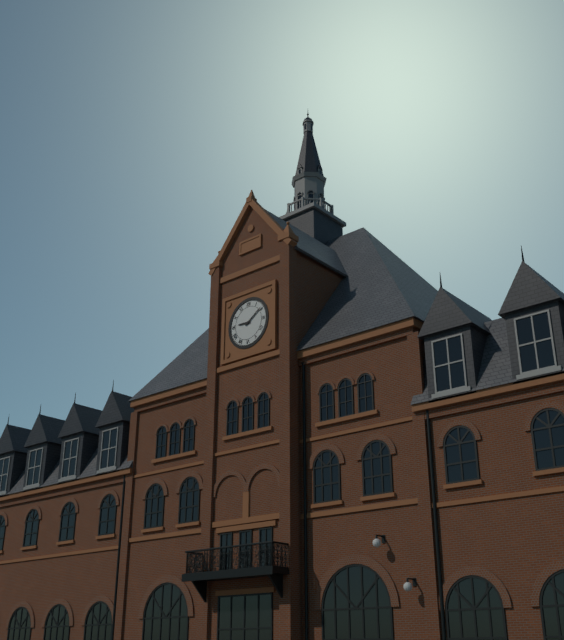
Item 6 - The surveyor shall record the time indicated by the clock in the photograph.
9:09
